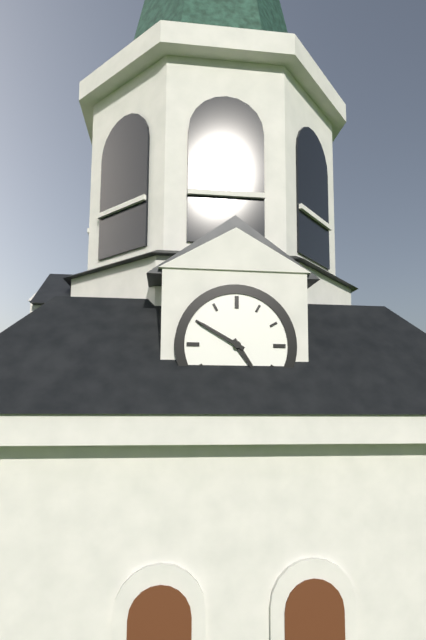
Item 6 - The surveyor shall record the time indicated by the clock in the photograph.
4:50
